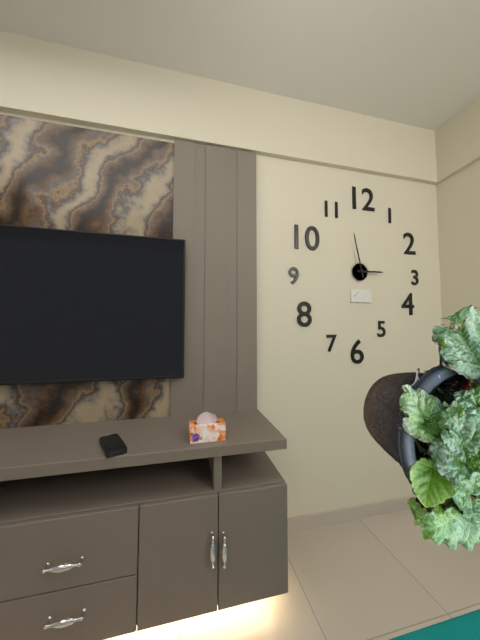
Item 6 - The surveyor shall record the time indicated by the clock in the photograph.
2:58
